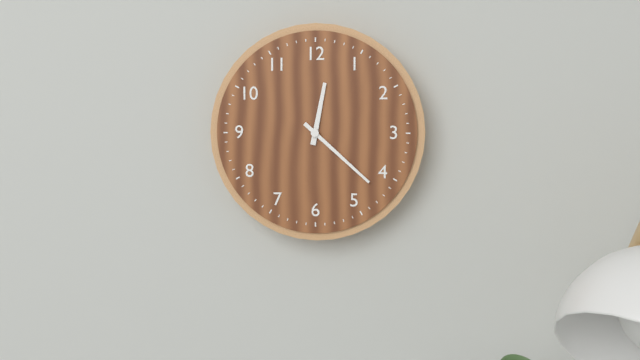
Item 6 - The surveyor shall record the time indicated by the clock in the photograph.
12:22
